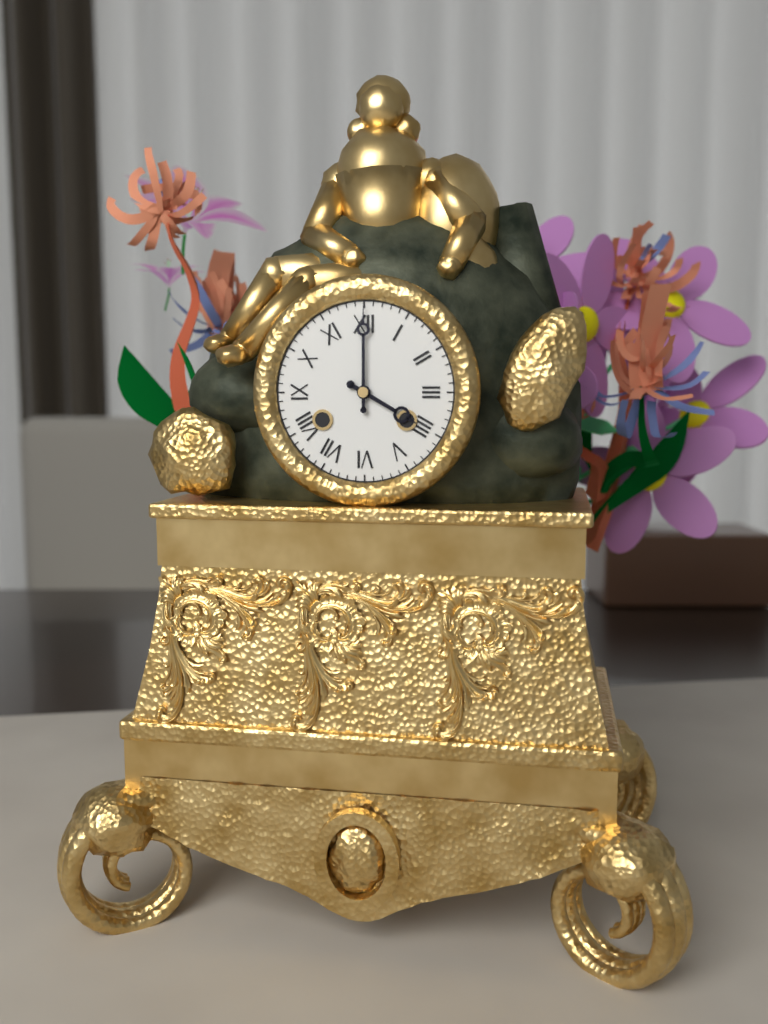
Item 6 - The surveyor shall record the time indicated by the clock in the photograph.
4:00
